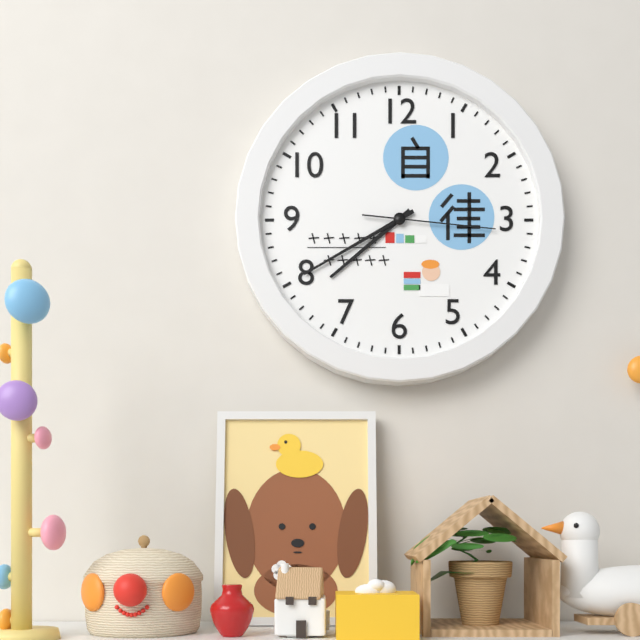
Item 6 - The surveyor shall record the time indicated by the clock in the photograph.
7:40:16
